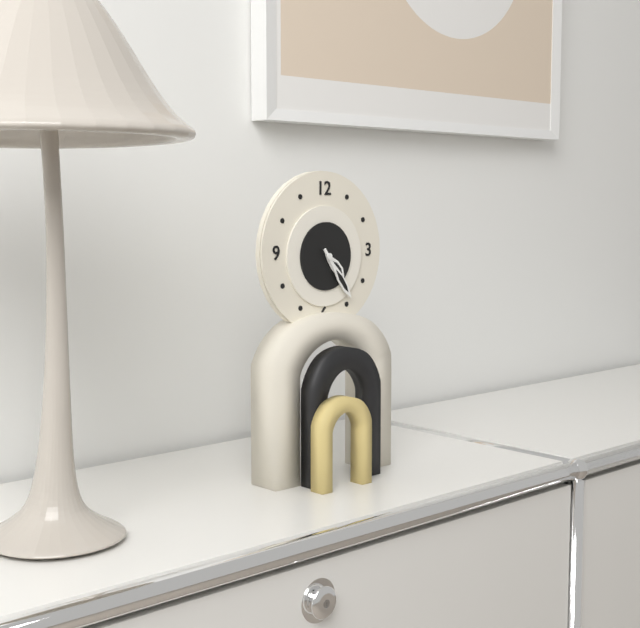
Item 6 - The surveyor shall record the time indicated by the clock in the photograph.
4:24
